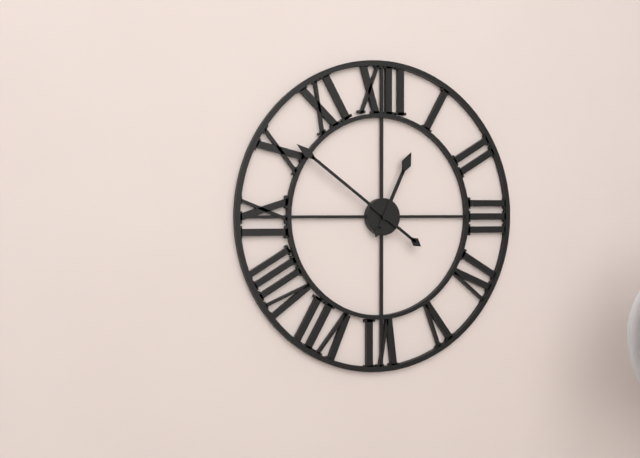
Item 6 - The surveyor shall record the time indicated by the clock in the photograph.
12:51
